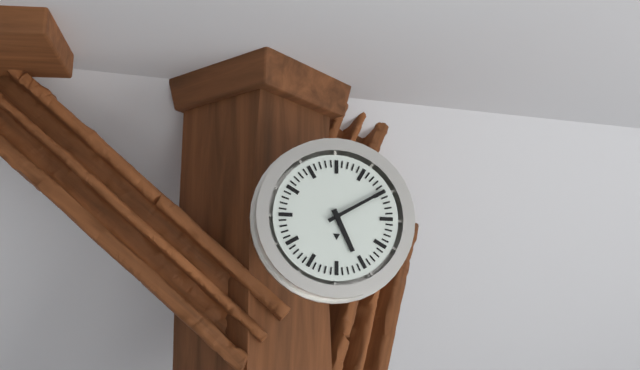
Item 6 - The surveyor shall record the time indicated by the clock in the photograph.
5:10
